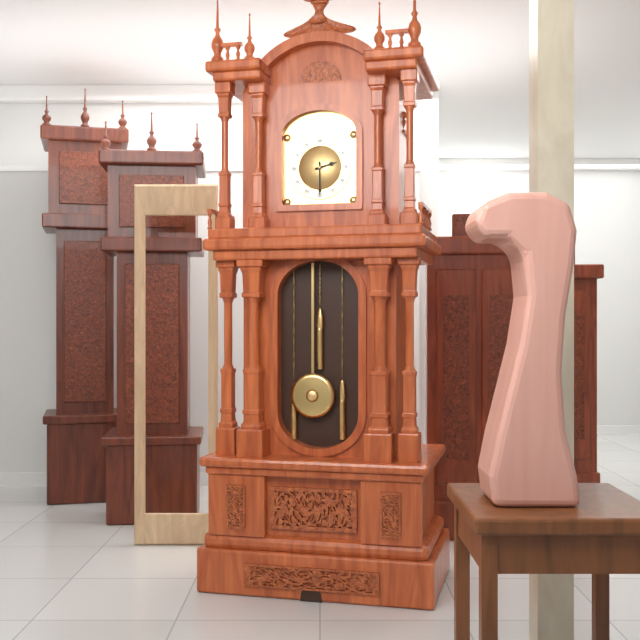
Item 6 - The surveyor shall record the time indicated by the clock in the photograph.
2:30
